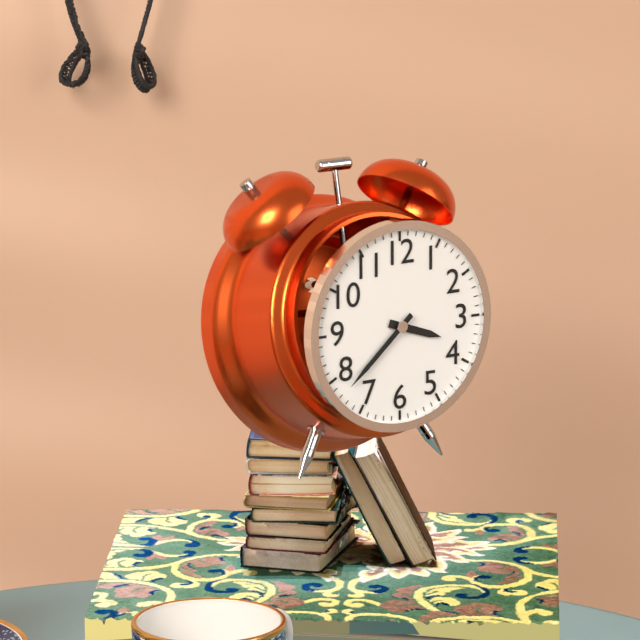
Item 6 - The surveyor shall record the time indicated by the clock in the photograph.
3:38
